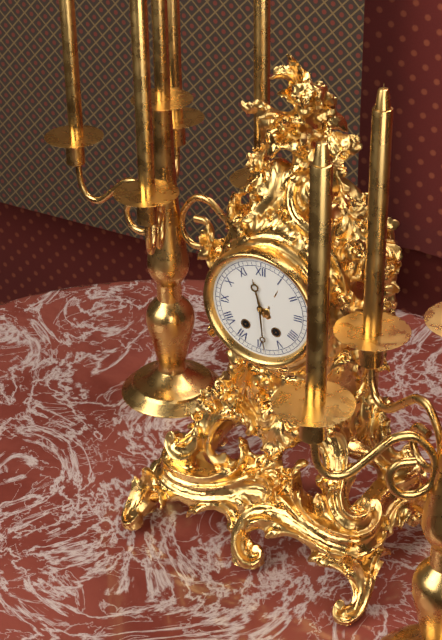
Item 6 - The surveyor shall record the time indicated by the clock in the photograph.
11:29
